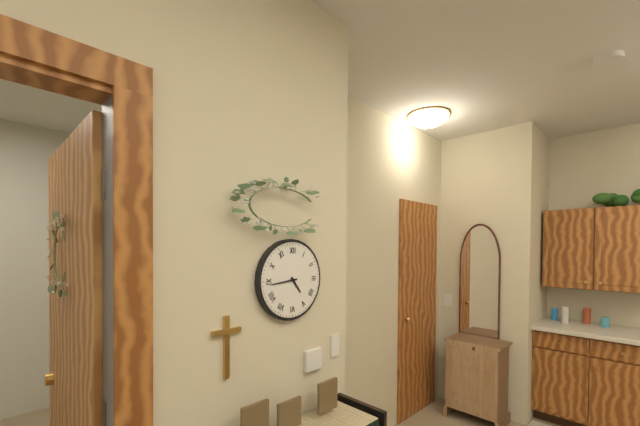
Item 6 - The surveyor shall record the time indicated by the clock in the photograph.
4:44
